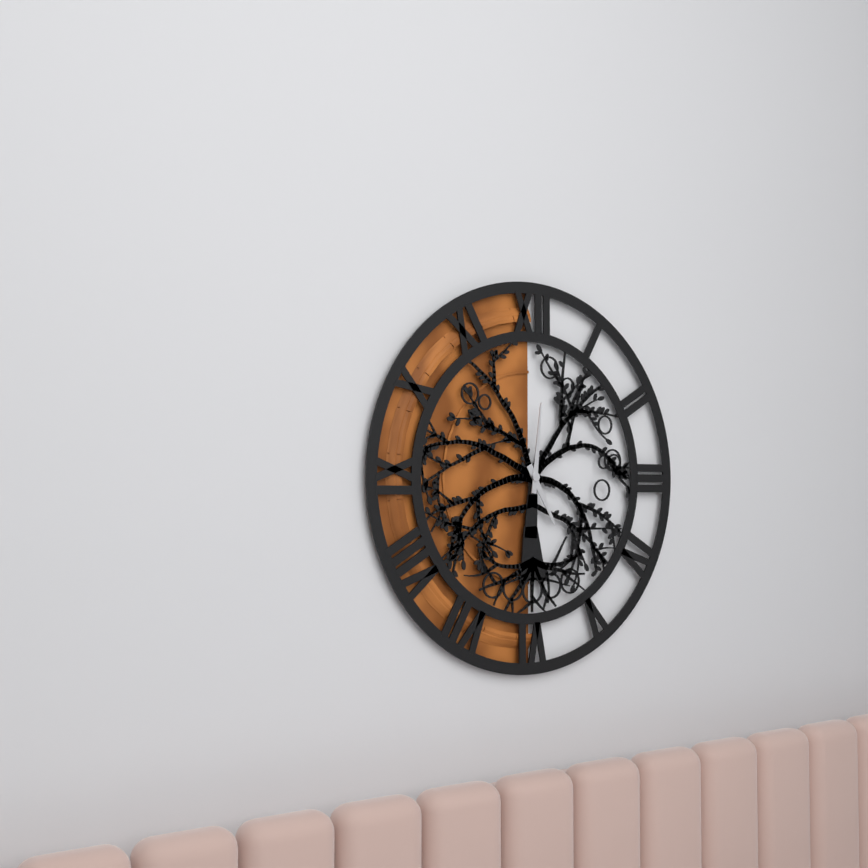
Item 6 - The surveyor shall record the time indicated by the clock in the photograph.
5:01
